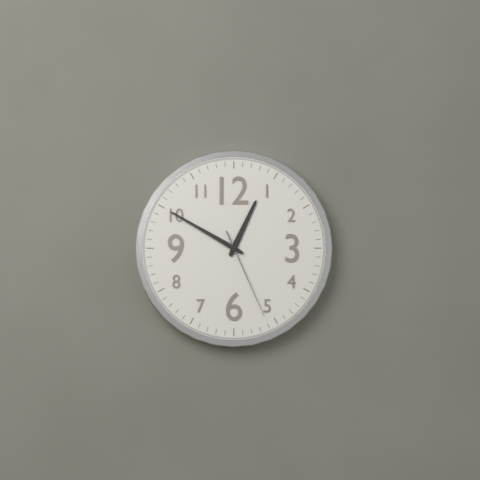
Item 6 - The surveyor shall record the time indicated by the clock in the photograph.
12:50:26
